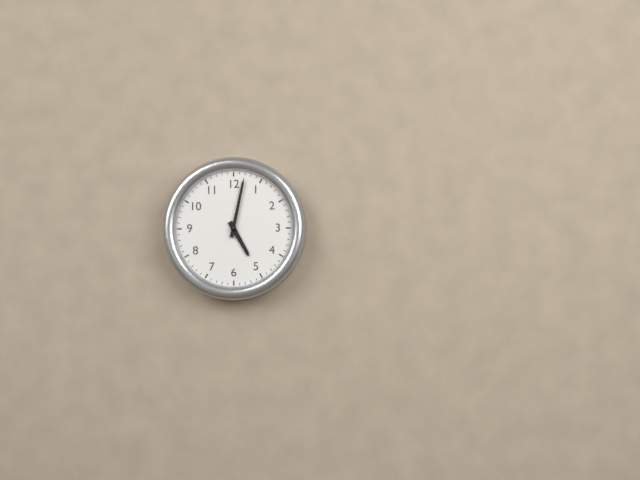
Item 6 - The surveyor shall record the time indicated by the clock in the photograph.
5:02
